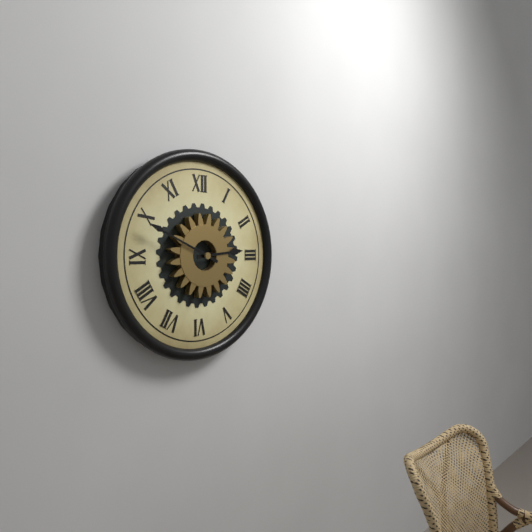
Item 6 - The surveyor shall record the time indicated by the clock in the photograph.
2:49
